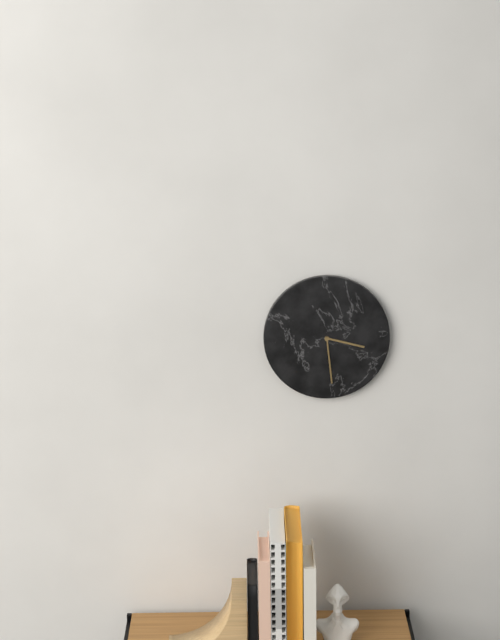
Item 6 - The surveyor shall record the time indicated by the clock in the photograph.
3:29
